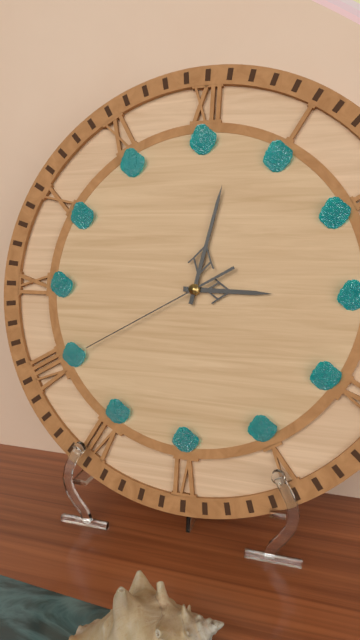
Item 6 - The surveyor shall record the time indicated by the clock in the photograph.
3:02:40
